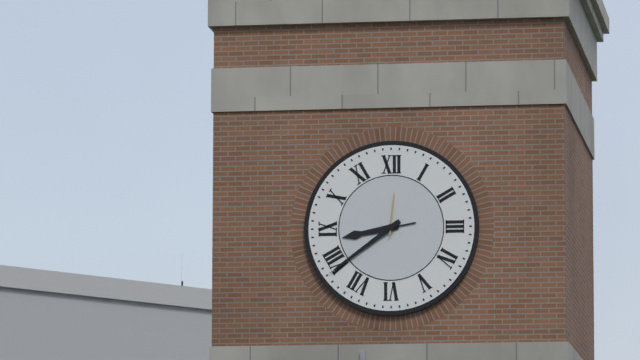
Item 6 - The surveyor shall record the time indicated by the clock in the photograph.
8:39
